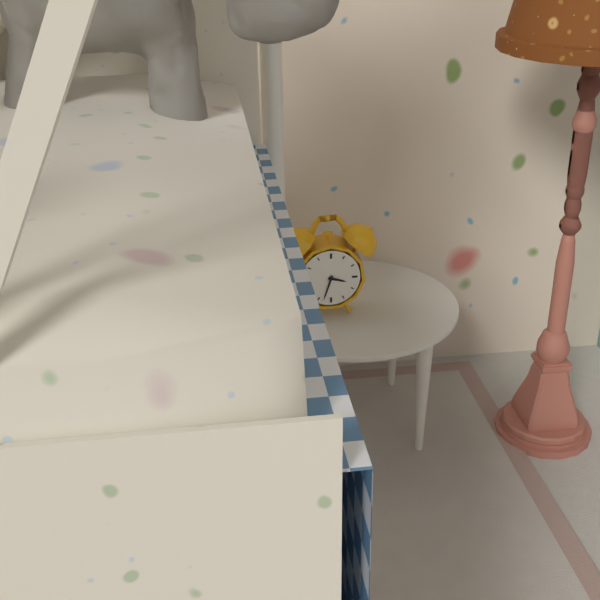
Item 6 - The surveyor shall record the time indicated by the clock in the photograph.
3:33
